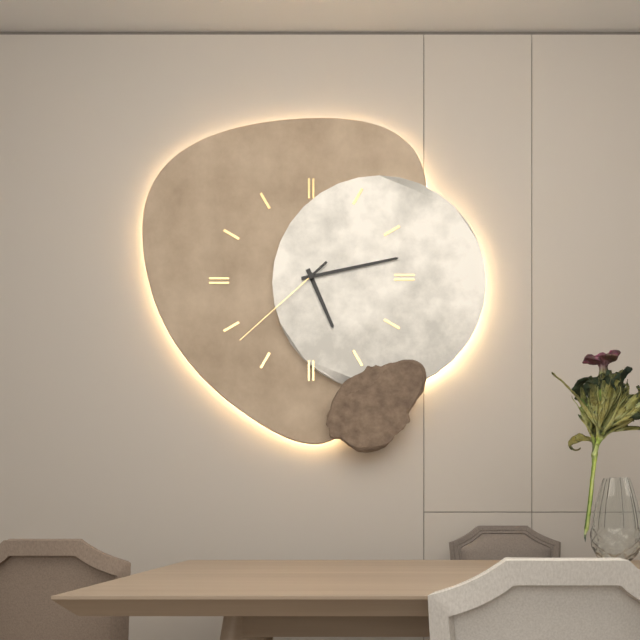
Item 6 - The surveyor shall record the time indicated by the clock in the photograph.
5:13:38
